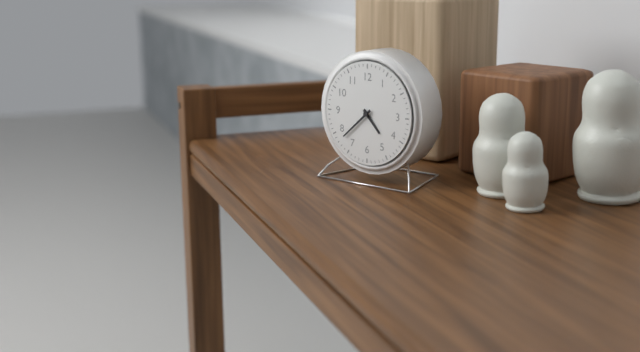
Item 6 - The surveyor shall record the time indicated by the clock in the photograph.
4:38
